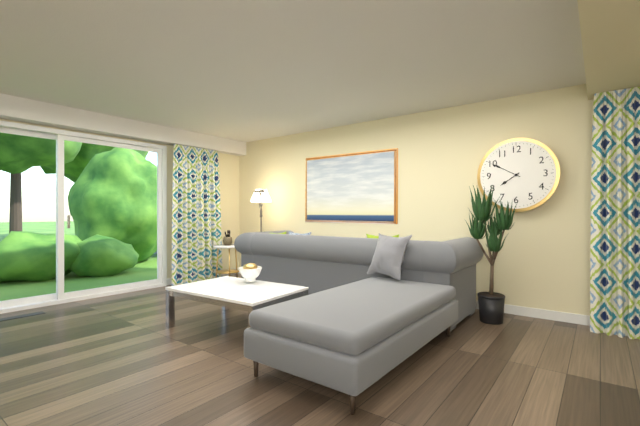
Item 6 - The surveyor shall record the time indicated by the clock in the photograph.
7:50
